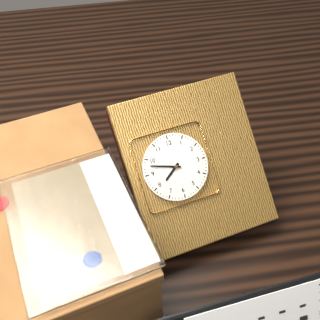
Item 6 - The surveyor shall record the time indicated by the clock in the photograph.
7:48
